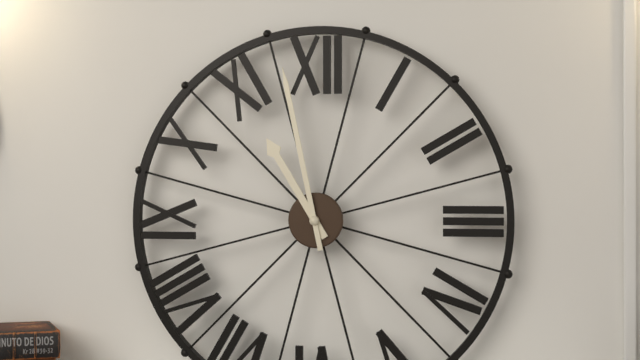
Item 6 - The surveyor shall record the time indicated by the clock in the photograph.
10:58
